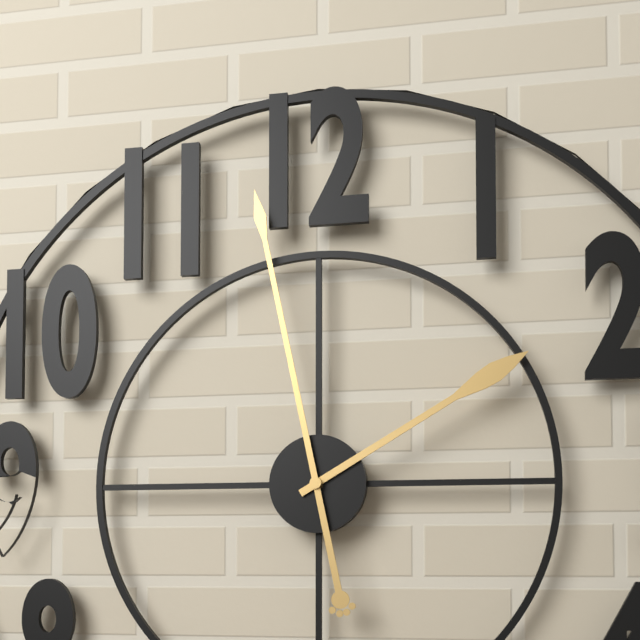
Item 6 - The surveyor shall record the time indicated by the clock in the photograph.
1:58
